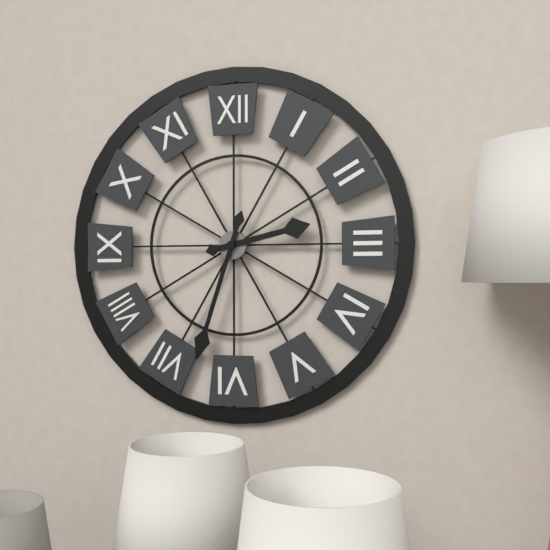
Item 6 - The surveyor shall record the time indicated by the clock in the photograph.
2:33
